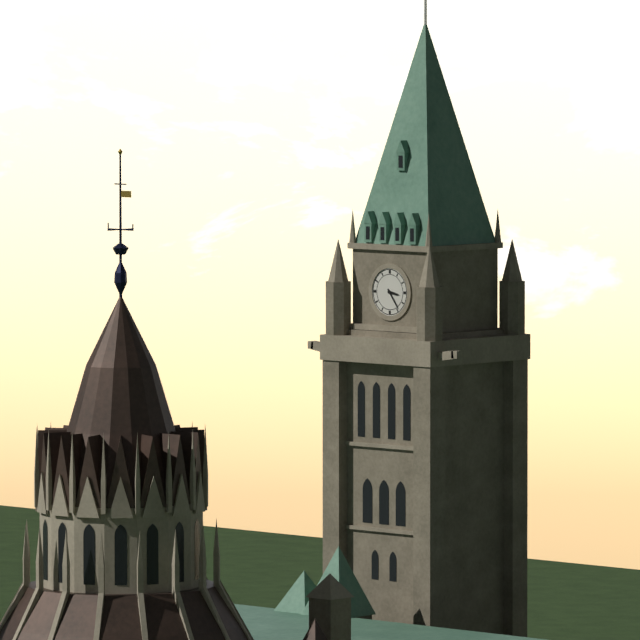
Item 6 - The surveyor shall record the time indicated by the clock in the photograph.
3:24
